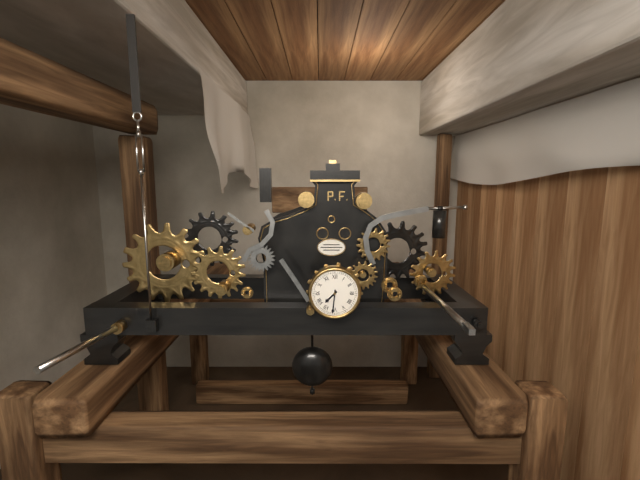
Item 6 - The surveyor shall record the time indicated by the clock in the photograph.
7:31
